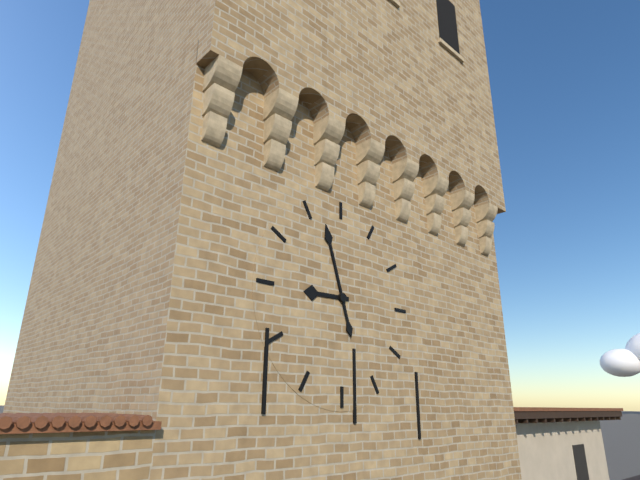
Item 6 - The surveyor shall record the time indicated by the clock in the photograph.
8:57
